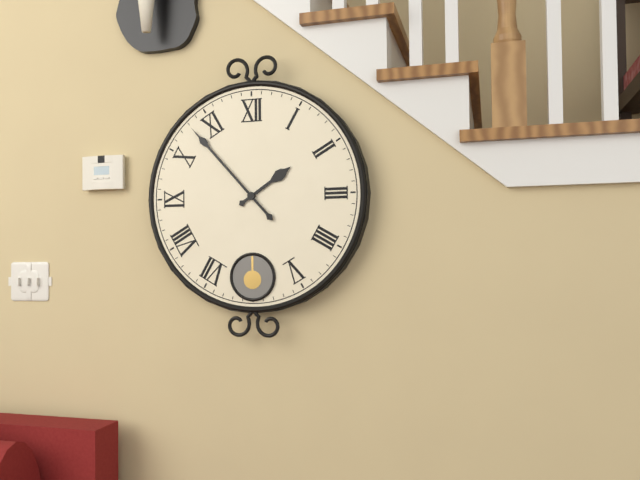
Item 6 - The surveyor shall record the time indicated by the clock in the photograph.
1:53
